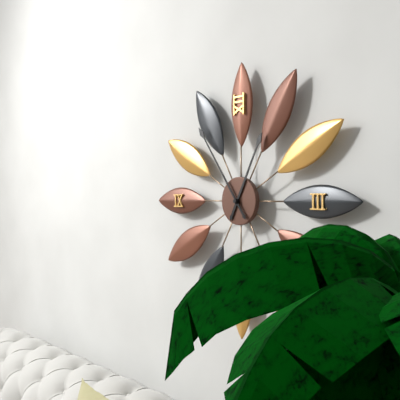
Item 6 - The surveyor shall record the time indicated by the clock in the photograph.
12:54
